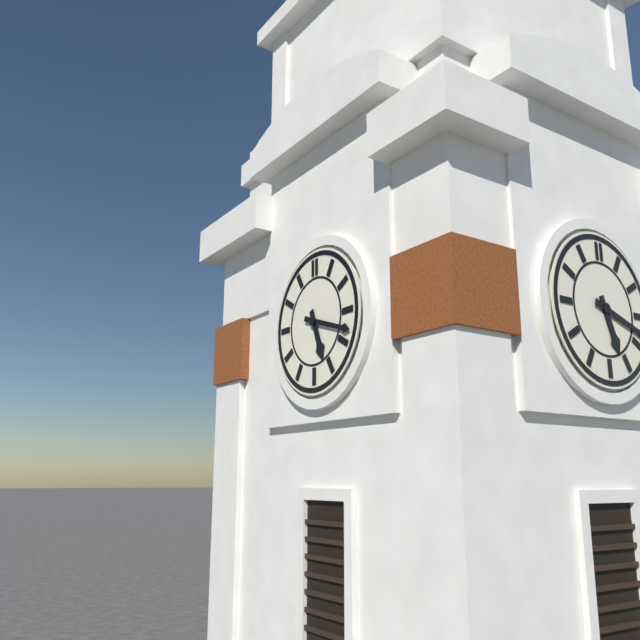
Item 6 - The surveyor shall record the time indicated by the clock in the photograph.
5:18
